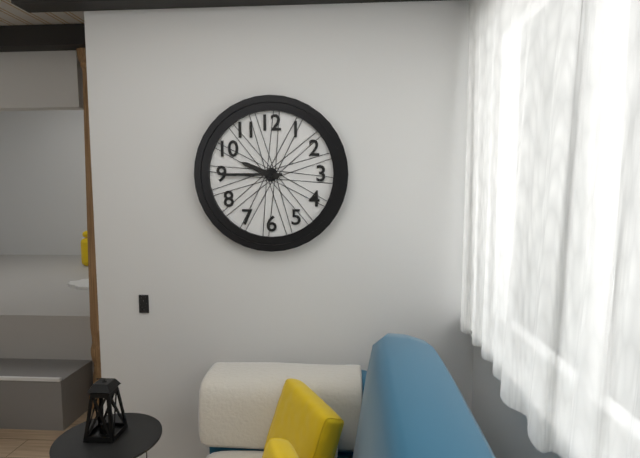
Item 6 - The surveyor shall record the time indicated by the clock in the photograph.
9:45
